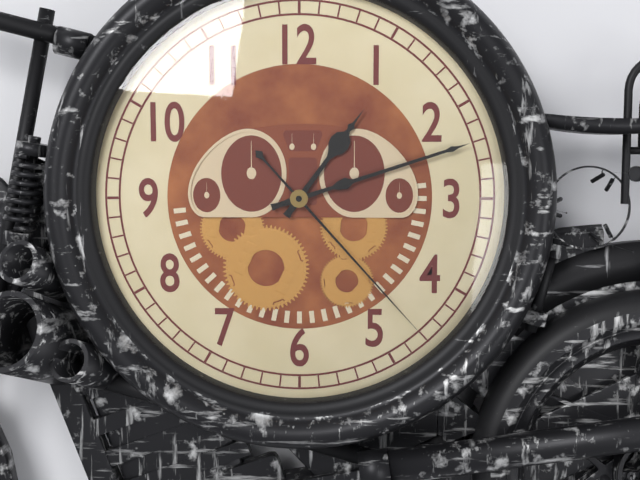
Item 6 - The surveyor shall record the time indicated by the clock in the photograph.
1:12:23
